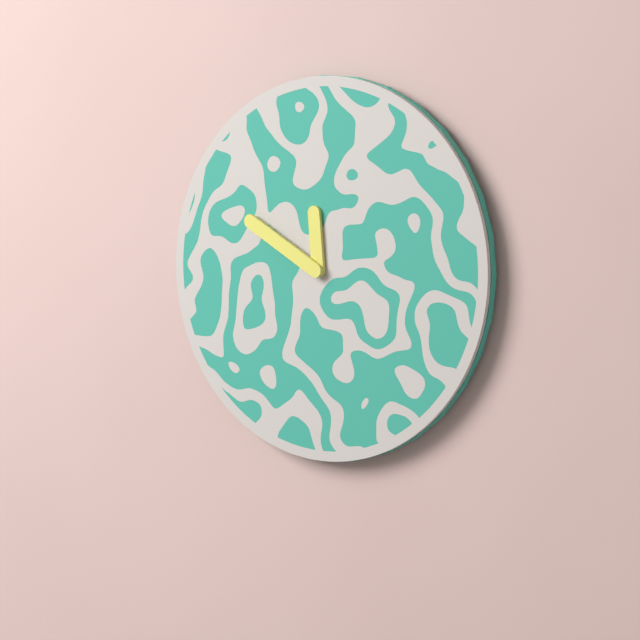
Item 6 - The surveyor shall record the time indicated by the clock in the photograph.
11:50
